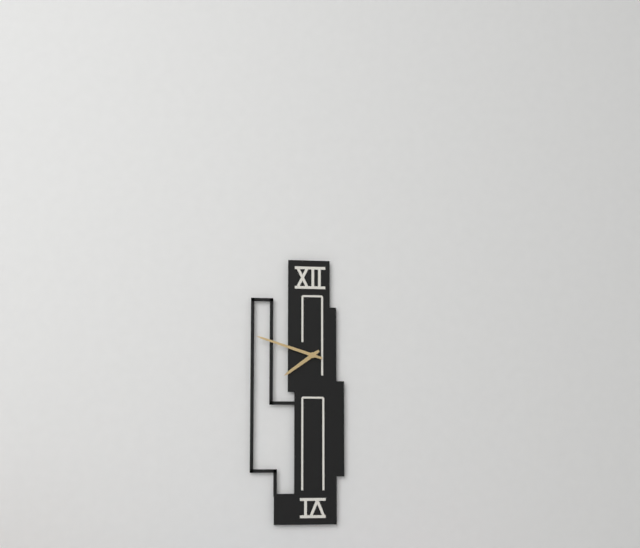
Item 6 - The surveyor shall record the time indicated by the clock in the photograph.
7:48
